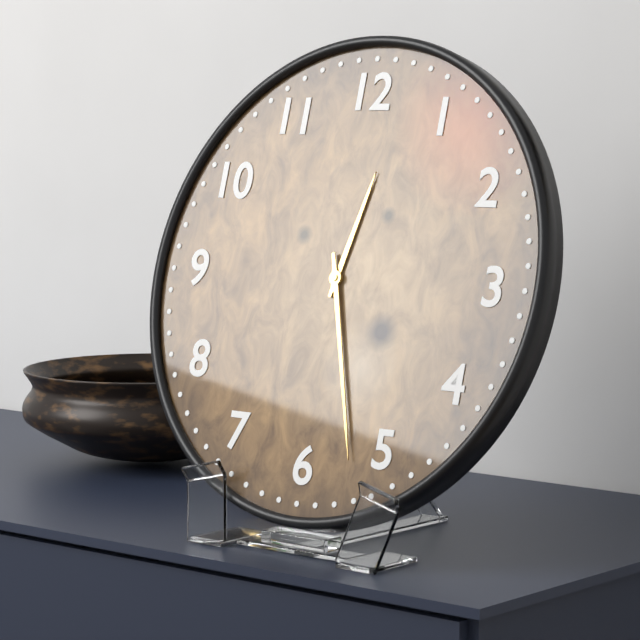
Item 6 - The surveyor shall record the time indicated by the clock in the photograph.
12:27
